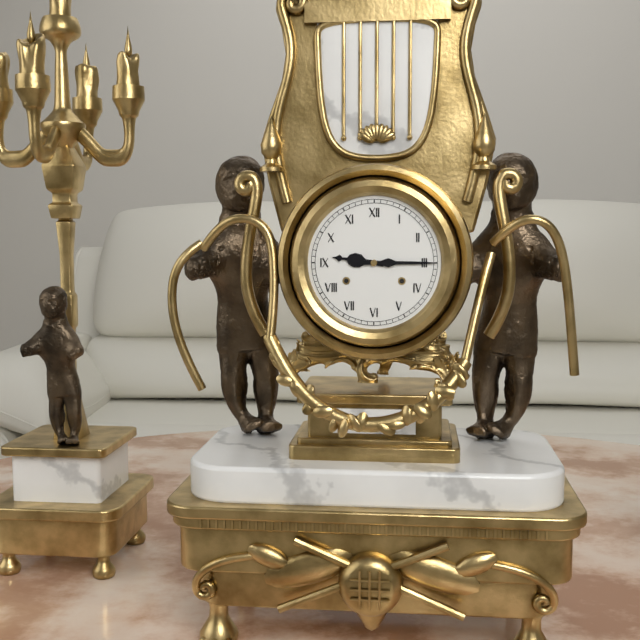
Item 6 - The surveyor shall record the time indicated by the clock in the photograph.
9:15
